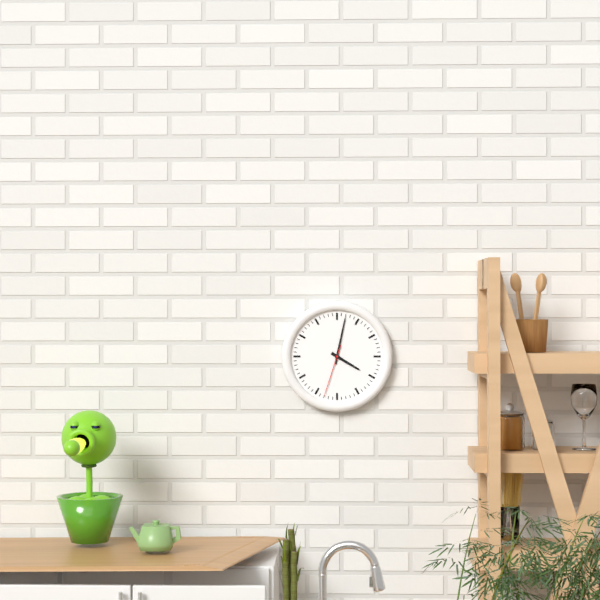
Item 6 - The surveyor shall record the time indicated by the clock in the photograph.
4:02:33
